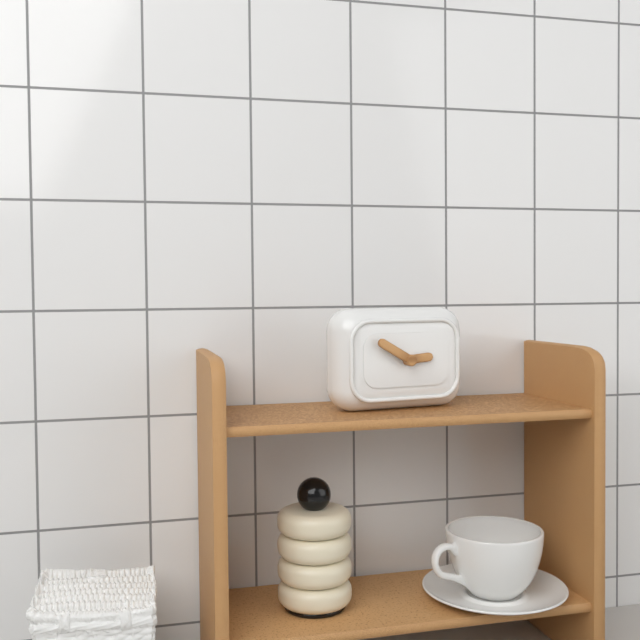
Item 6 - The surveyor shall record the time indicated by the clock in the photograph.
2:50
